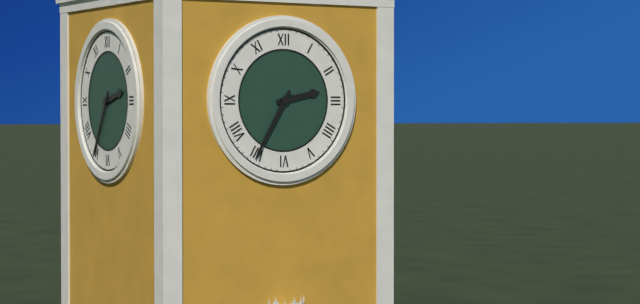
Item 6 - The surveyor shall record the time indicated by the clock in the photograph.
2:35
